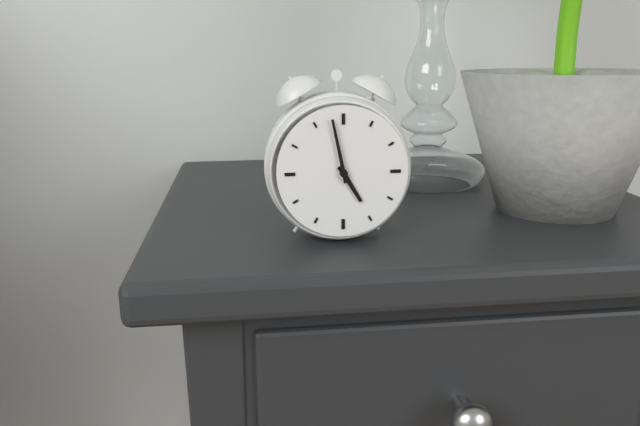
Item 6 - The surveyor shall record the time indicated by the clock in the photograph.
4:58
